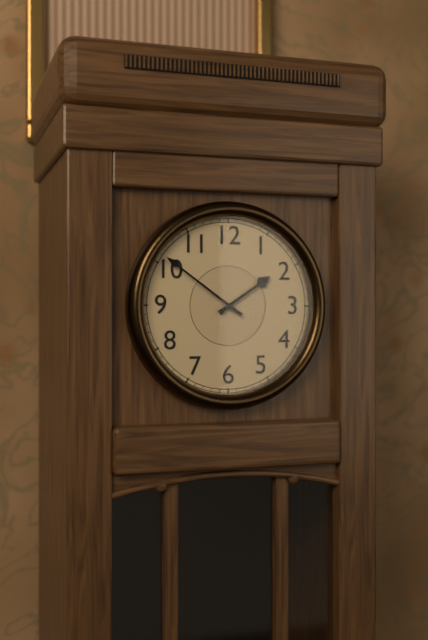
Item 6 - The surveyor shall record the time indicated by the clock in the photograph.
1:51
